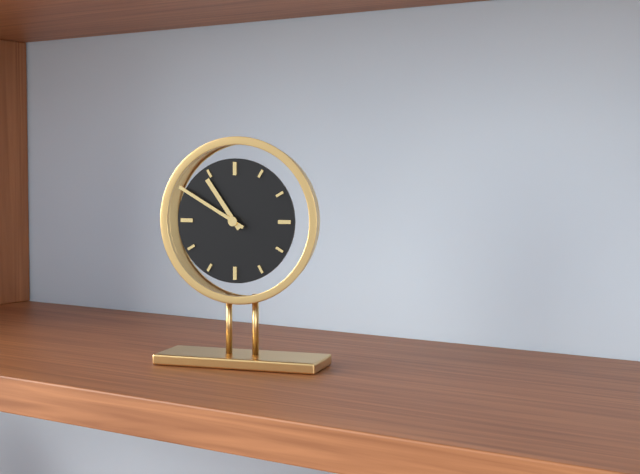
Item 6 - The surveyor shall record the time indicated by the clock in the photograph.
10:50
